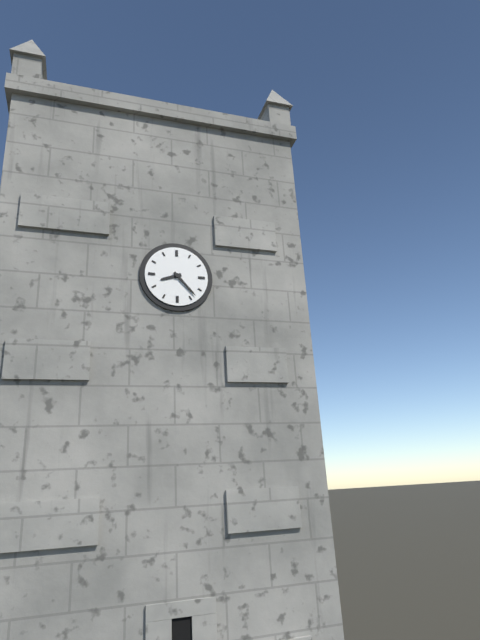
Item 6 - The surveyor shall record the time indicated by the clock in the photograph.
8:23
